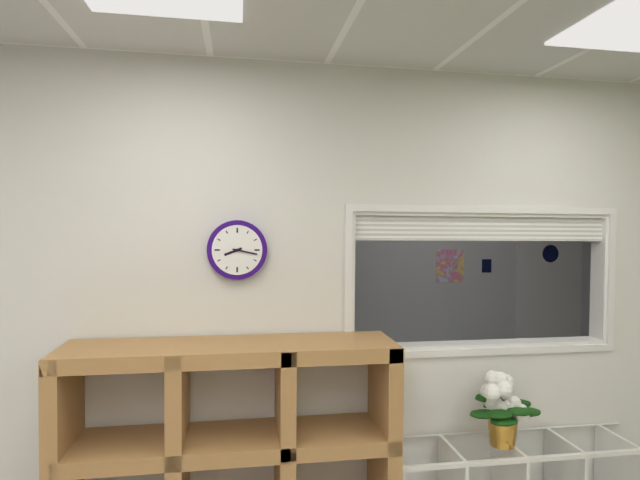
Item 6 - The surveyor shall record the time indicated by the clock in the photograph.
8:17
